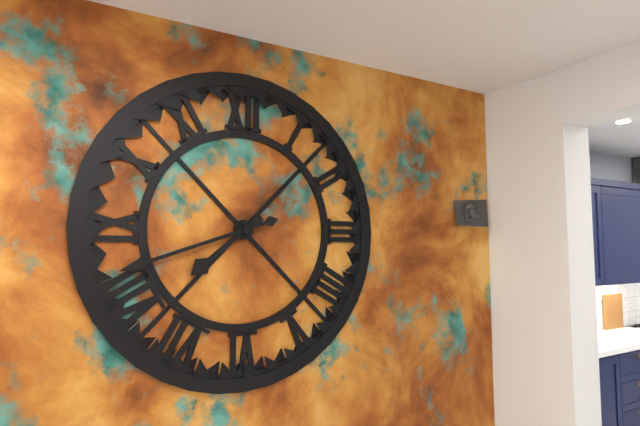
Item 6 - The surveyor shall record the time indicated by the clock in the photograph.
7:42
